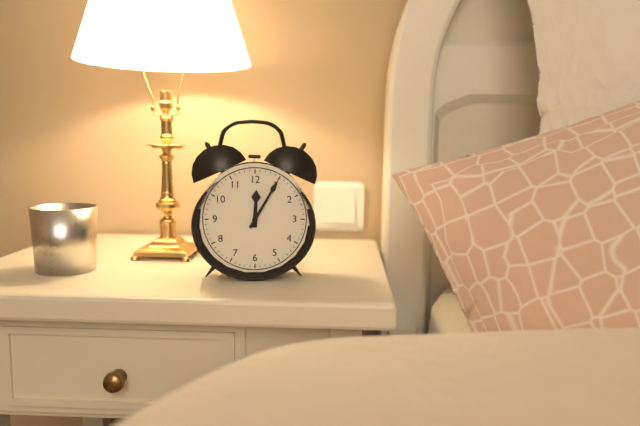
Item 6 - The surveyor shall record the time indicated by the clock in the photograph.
12:05
